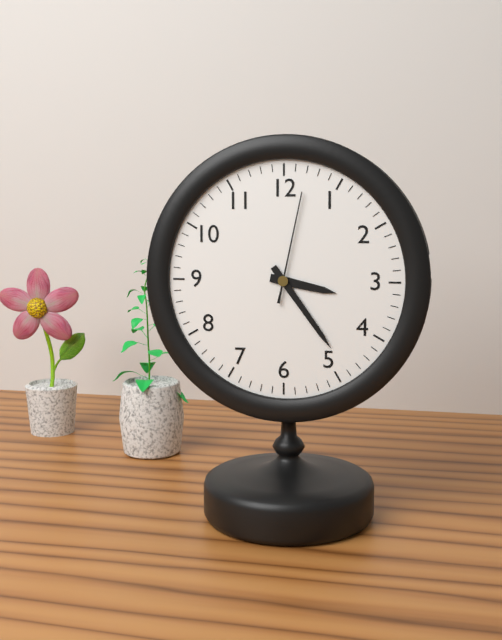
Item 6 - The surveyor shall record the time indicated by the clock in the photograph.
3:24:02
